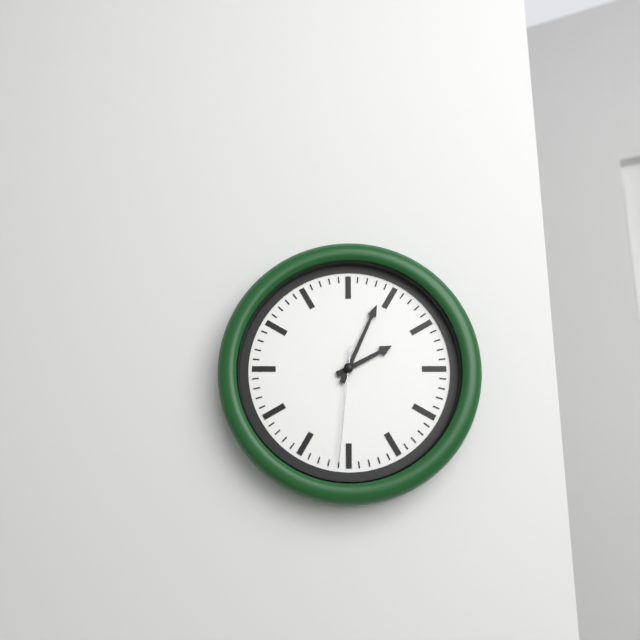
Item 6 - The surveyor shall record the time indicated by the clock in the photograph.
2:04:31
